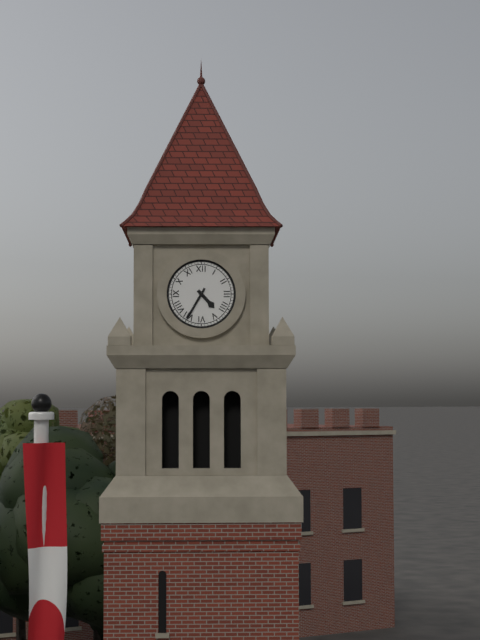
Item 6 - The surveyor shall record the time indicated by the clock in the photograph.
4:35
